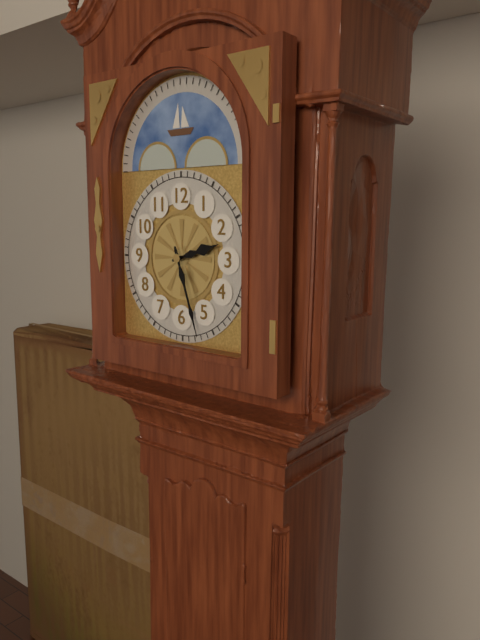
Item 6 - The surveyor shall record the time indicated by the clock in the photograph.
2:27
